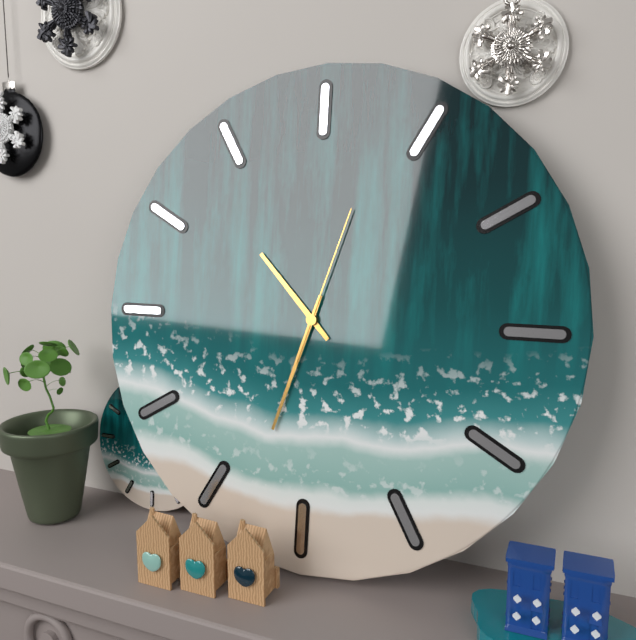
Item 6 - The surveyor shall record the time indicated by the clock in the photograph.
10:33:03
